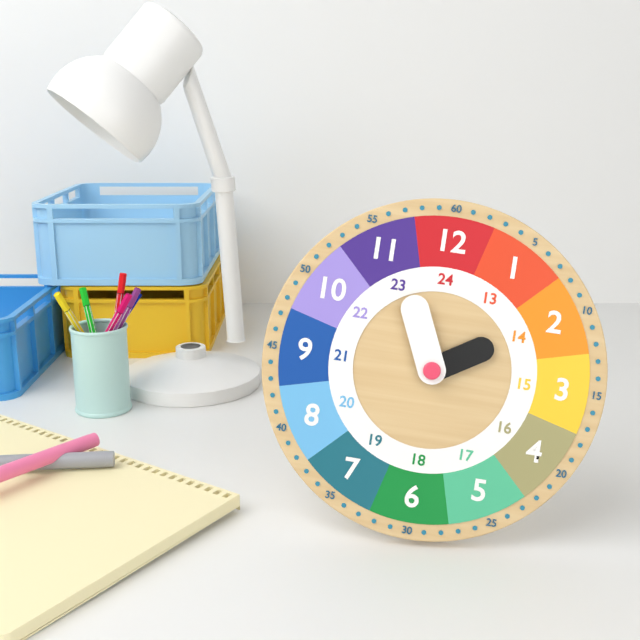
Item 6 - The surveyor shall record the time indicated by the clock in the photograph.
1:56
